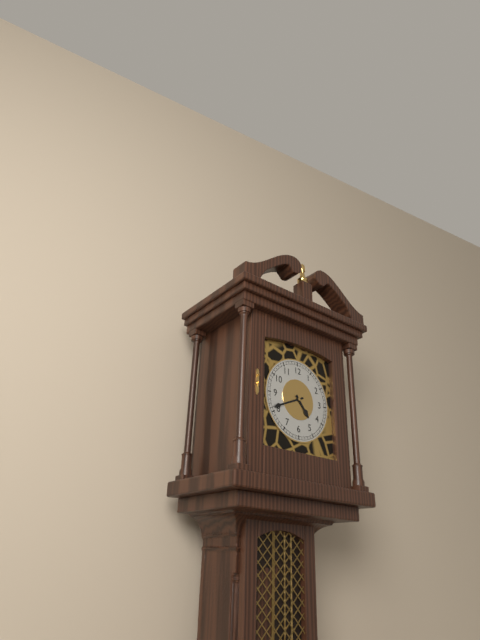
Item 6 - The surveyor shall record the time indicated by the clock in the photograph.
4:41
